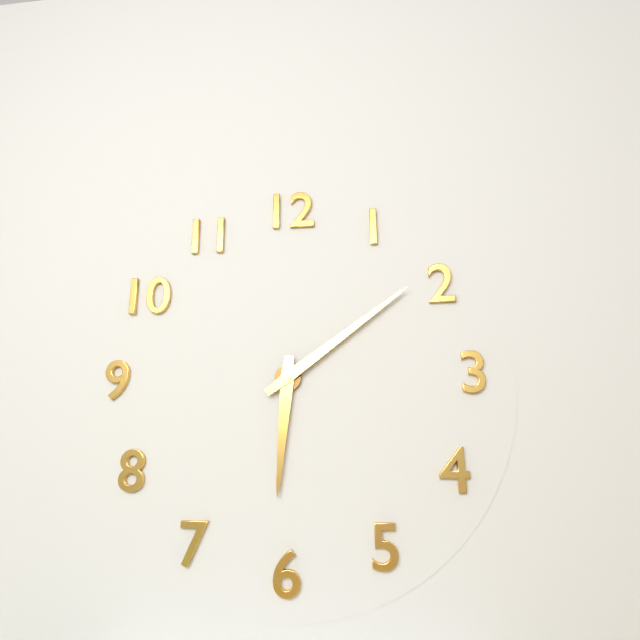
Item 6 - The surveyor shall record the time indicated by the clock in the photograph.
6:09
